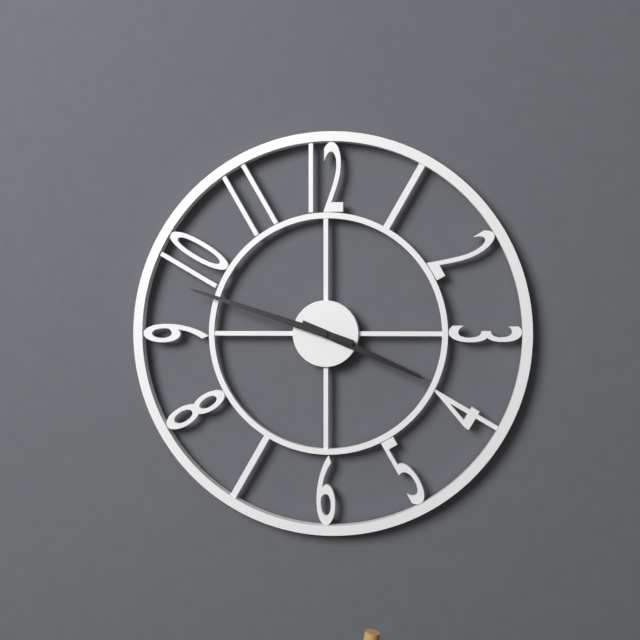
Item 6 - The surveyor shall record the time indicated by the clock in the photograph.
3:48
